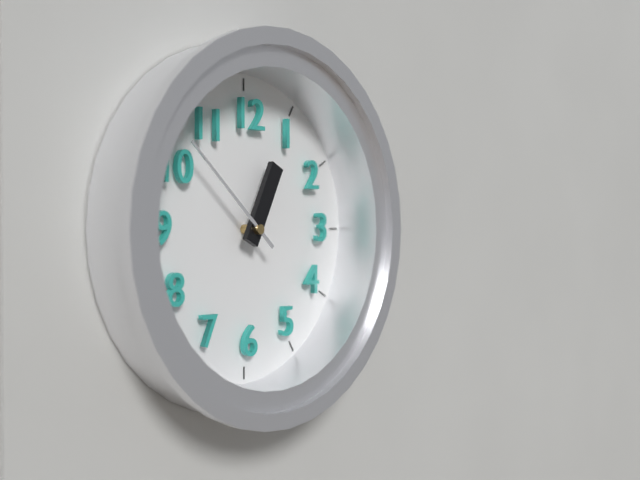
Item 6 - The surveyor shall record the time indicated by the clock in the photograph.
12:52
